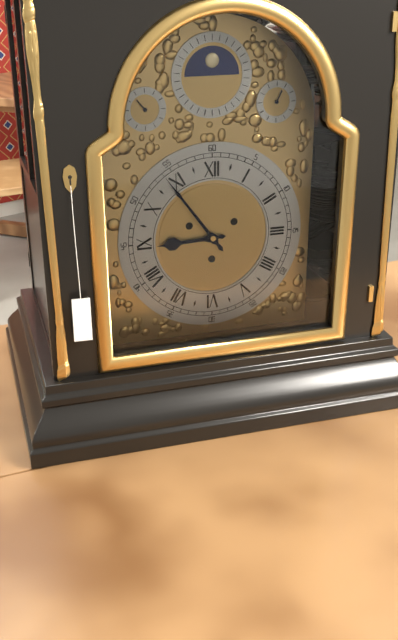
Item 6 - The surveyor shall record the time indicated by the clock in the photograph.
8:54
